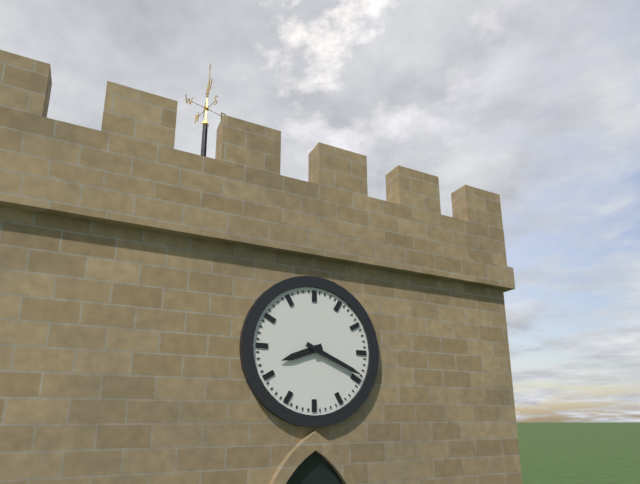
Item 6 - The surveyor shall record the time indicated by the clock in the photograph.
8:19
